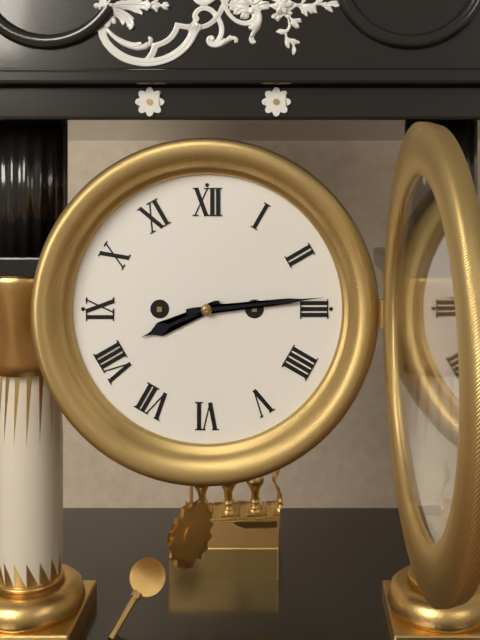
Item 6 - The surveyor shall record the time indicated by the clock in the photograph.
8:14
